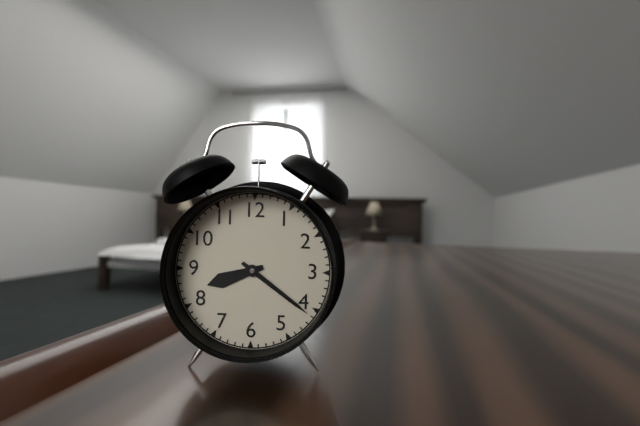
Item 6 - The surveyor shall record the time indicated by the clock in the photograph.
8:21
